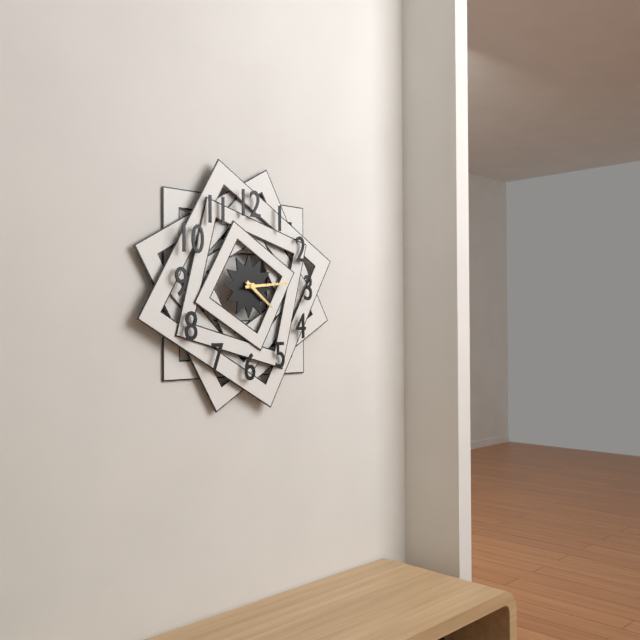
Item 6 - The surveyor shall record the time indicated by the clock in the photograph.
4:14
